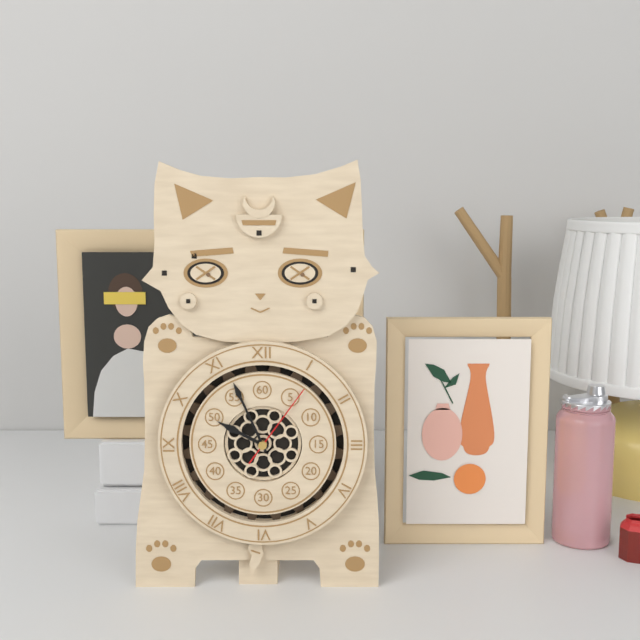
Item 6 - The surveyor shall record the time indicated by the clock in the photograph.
9:56:06
